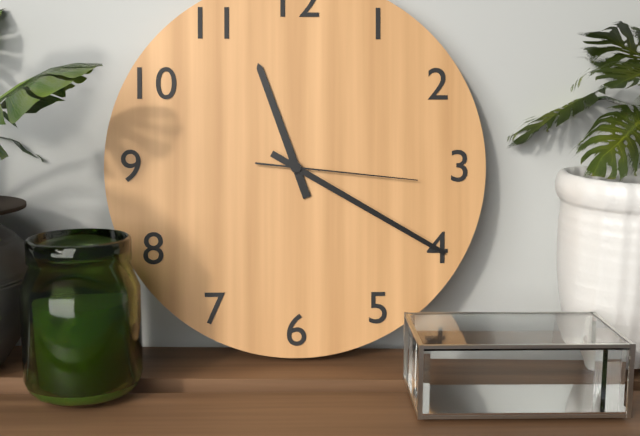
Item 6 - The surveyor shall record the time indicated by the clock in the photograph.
11:20:16
